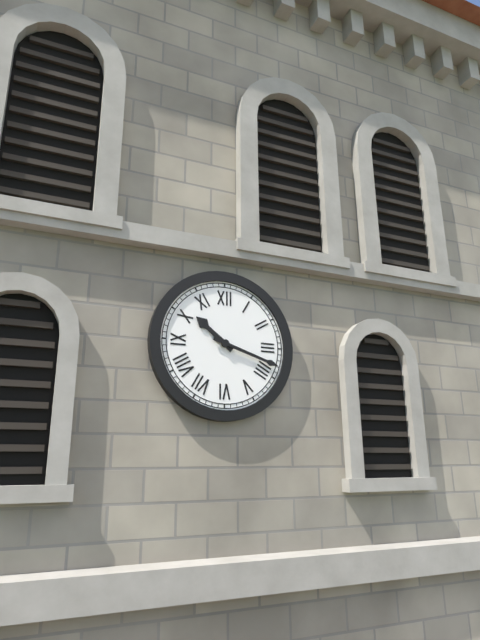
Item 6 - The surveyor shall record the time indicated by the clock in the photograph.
10:18
